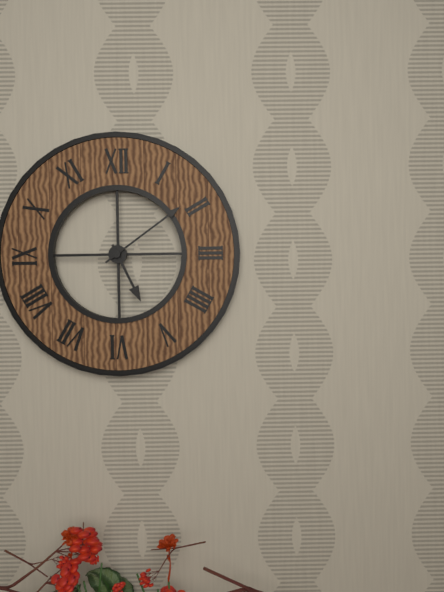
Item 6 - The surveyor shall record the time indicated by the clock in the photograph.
5:09
